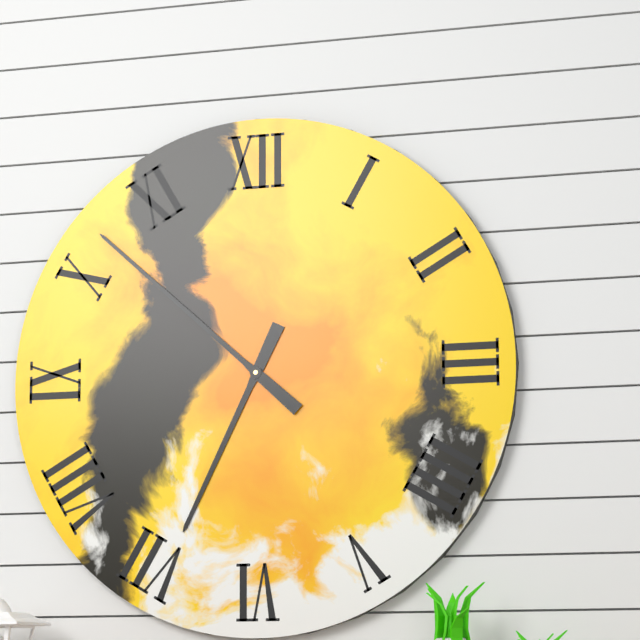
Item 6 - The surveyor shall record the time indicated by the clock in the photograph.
6:52
